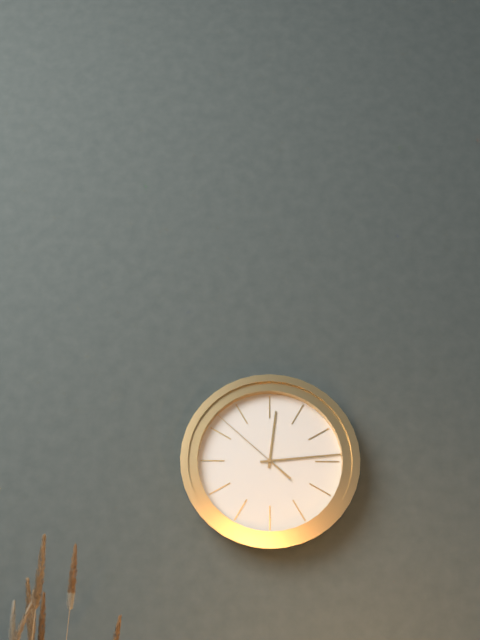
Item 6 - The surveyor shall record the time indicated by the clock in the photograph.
12:14:52
